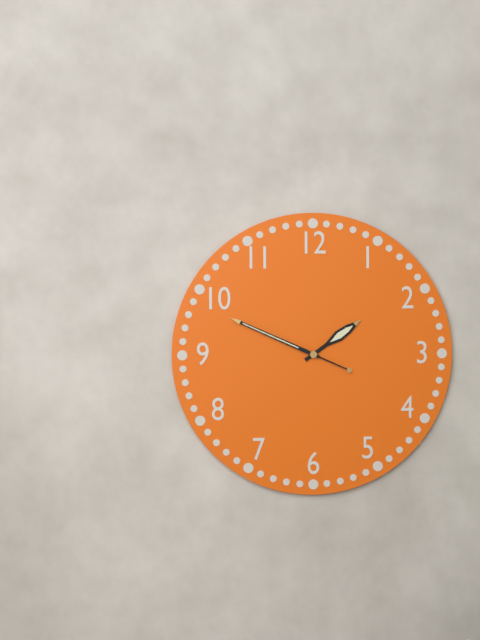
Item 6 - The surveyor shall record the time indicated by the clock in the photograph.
1:49
